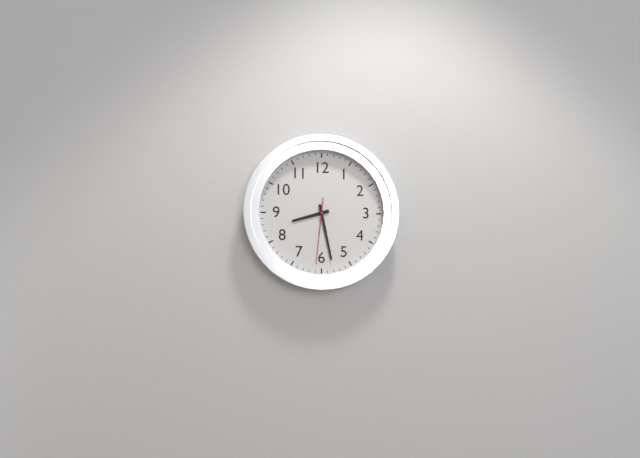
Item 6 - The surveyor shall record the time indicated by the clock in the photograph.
8:28:31
